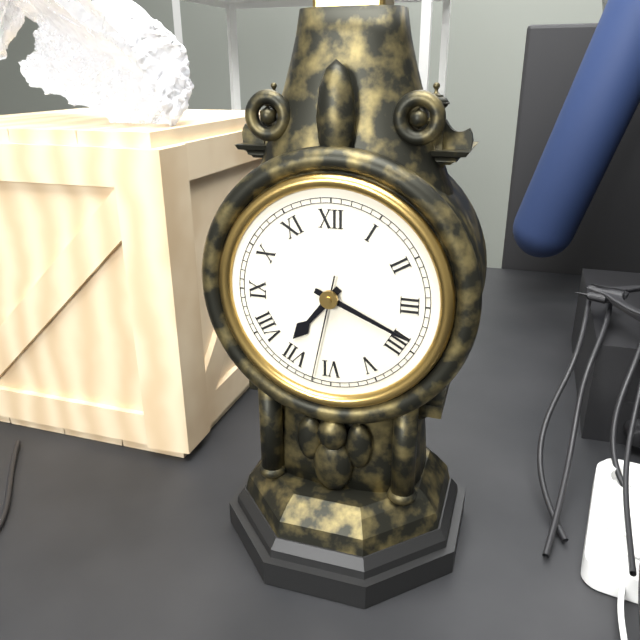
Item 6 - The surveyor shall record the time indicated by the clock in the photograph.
7:19:32
